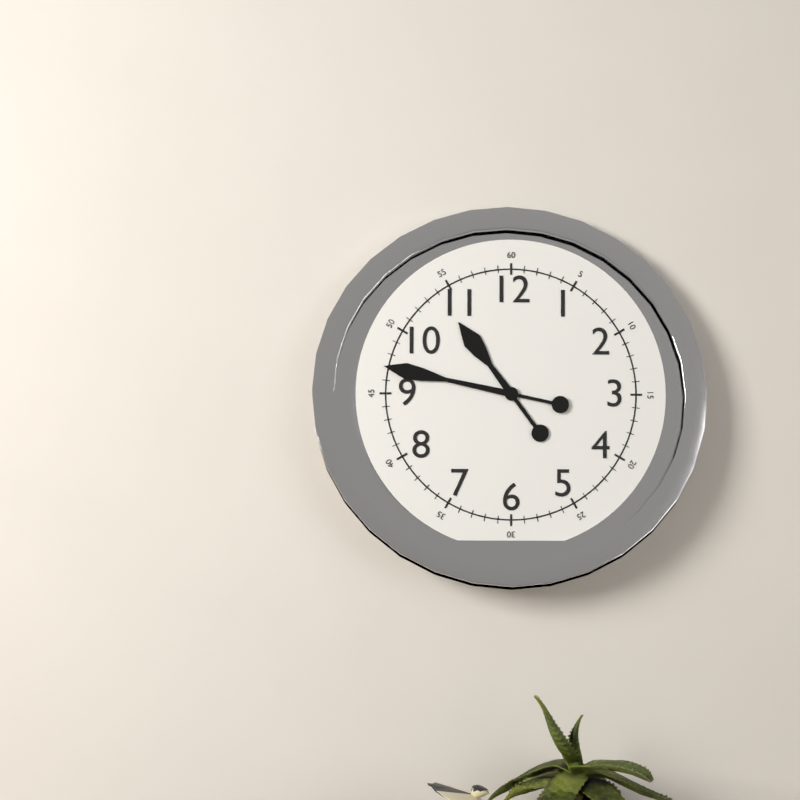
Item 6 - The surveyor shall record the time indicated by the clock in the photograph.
10:47
